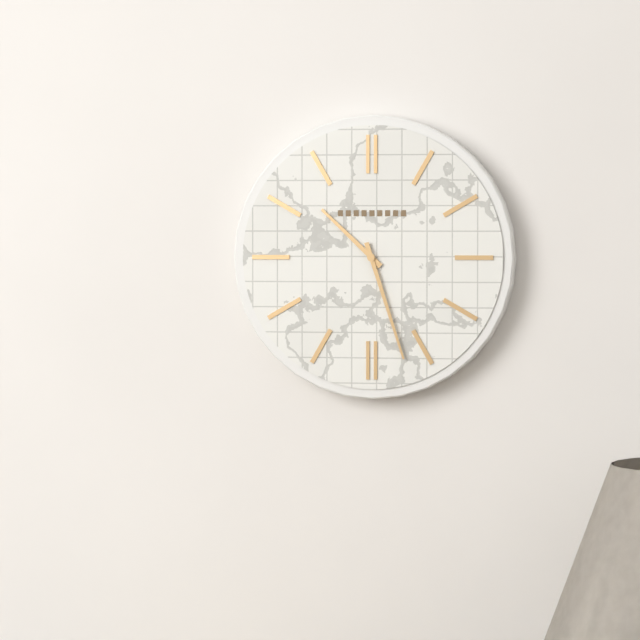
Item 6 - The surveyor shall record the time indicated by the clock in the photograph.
10:27
